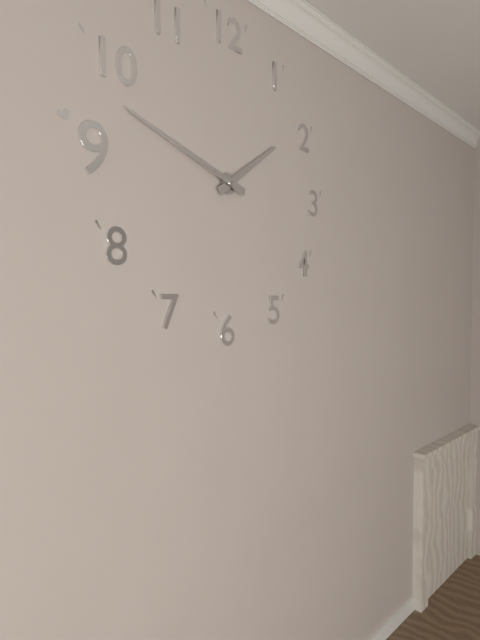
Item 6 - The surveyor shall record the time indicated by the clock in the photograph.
1:48
